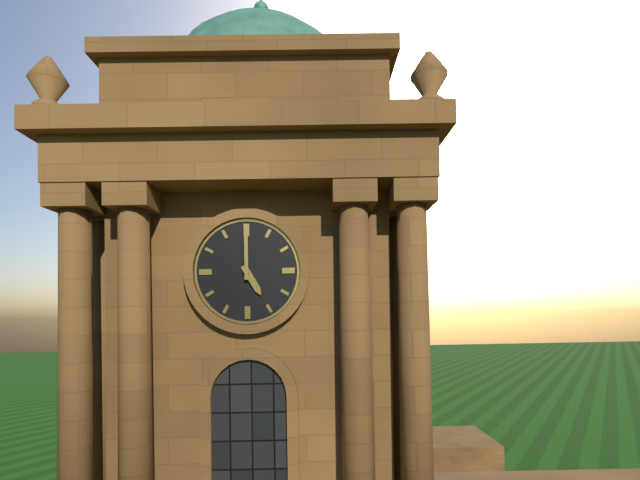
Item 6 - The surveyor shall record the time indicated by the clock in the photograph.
5:00
